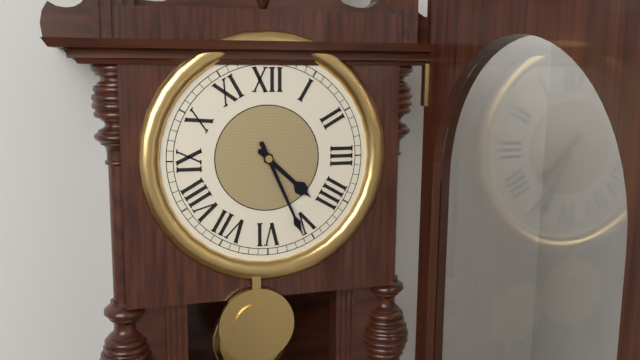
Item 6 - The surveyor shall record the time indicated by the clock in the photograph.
4:26
